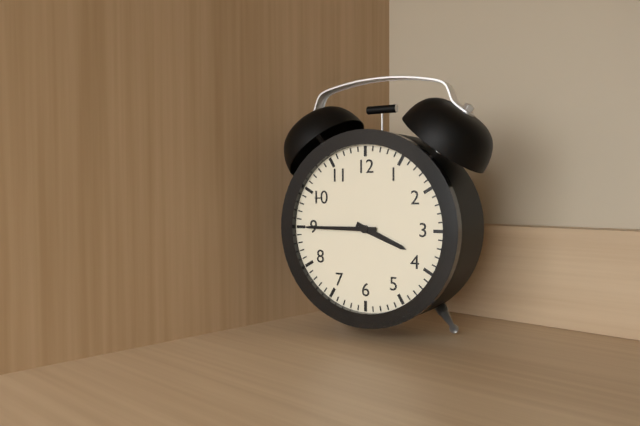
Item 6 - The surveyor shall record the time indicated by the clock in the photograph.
3:45
